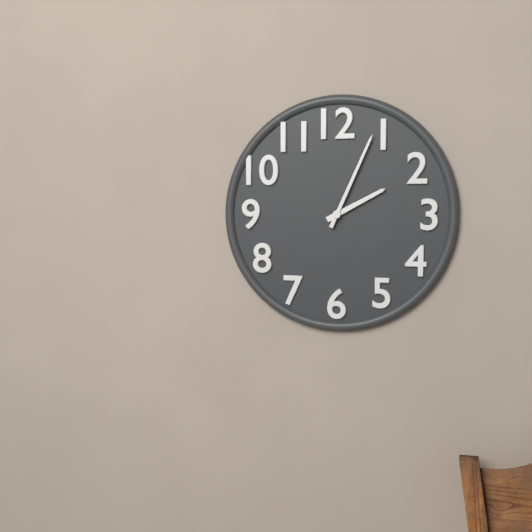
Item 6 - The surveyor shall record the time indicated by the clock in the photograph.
2:04
